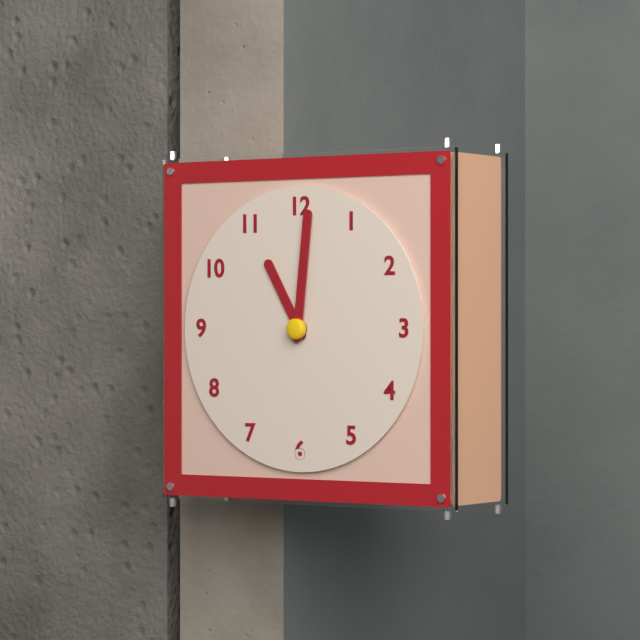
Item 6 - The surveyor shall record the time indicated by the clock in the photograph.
11:01
